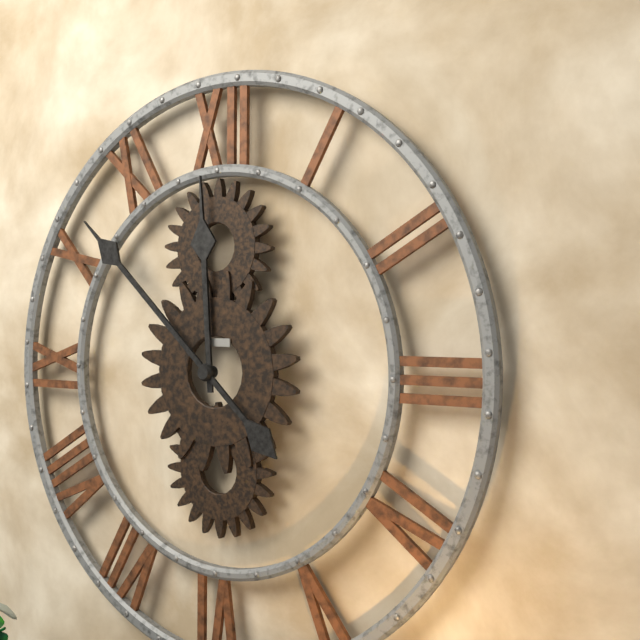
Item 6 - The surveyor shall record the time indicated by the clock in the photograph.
11:52
